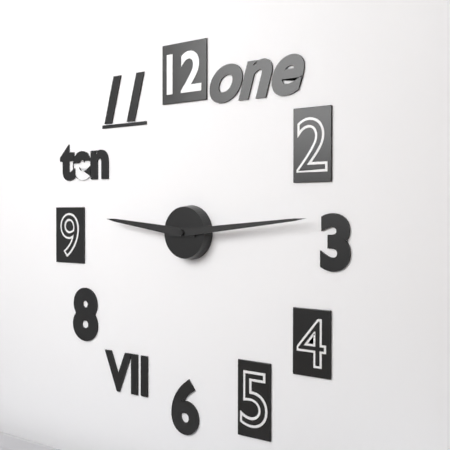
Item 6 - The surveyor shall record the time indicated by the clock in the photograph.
9:14
